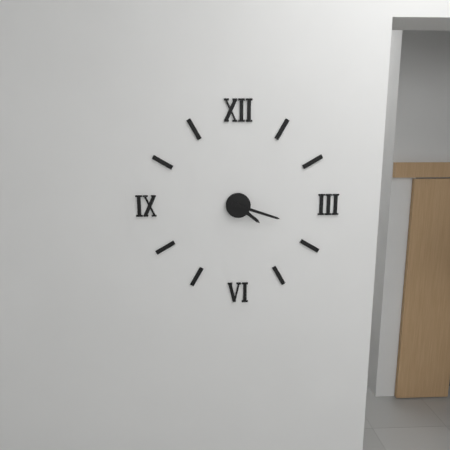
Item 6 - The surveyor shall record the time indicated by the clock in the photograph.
4:18
